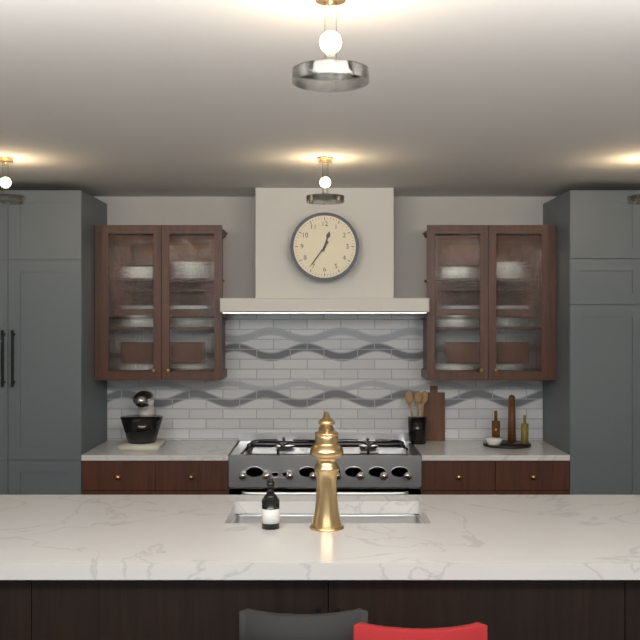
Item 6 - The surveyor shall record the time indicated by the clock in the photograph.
12:36
